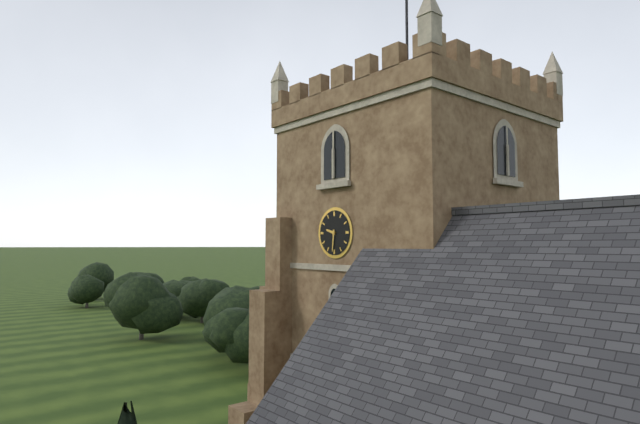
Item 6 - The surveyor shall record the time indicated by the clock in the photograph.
9:31
